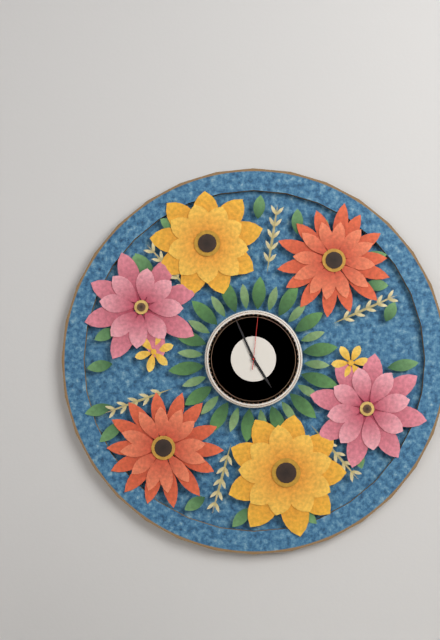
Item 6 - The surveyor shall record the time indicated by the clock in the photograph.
4:56:01
